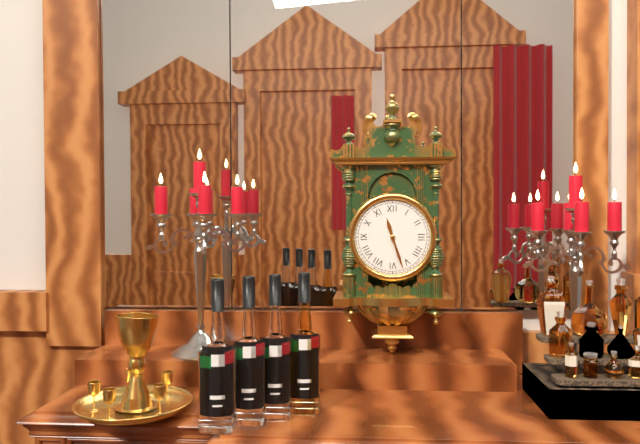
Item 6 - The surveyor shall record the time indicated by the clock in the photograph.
11:27
